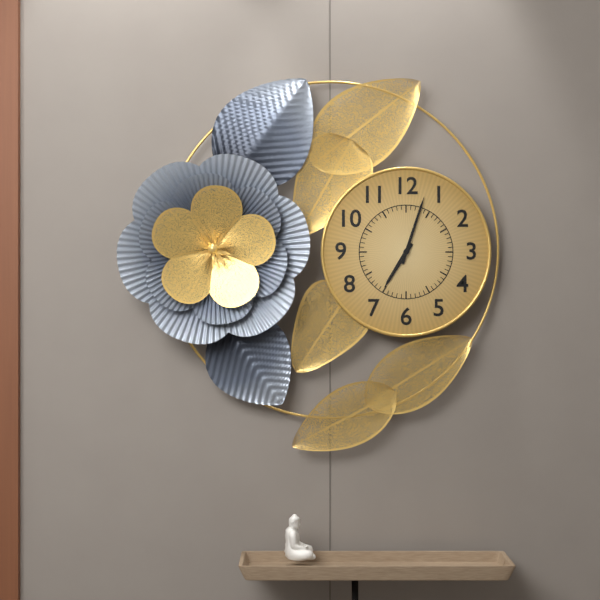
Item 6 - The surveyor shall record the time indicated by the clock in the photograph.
7:03
